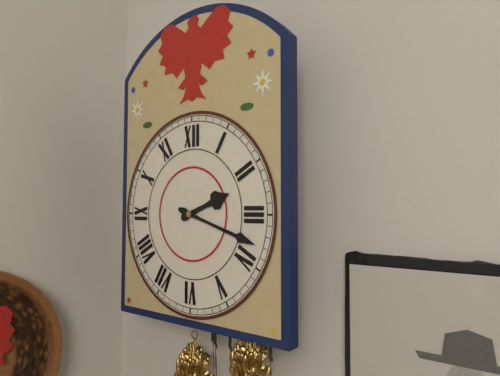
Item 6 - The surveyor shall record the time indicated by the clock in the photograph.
2:18
